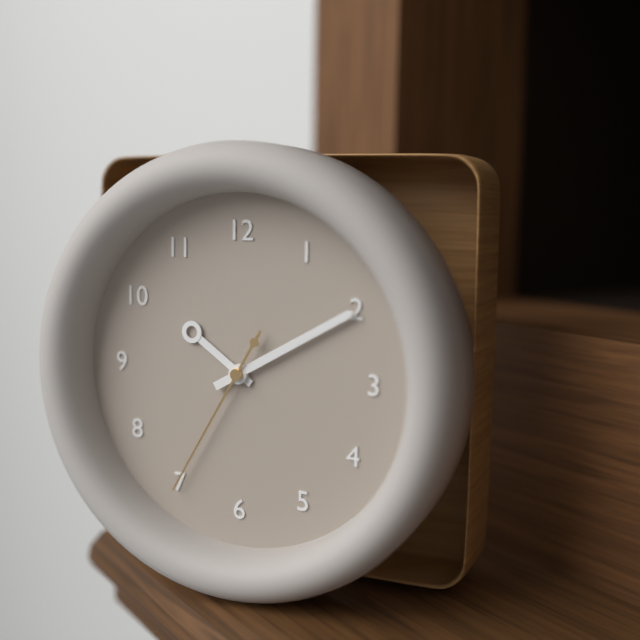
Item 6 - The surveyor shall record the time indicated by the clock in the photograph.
10:10:35
